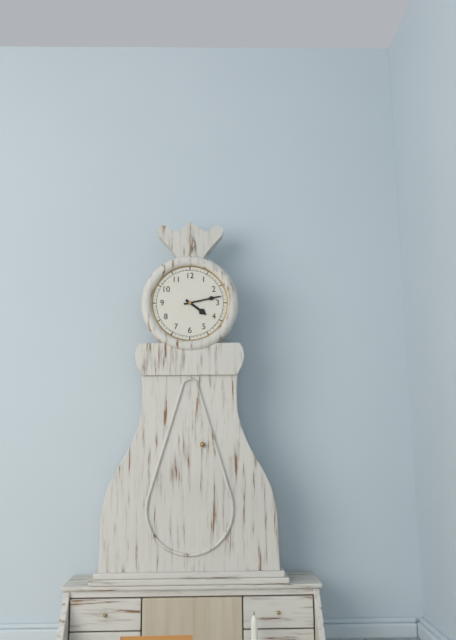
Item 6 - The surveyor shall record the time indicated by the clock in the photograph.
4:13
